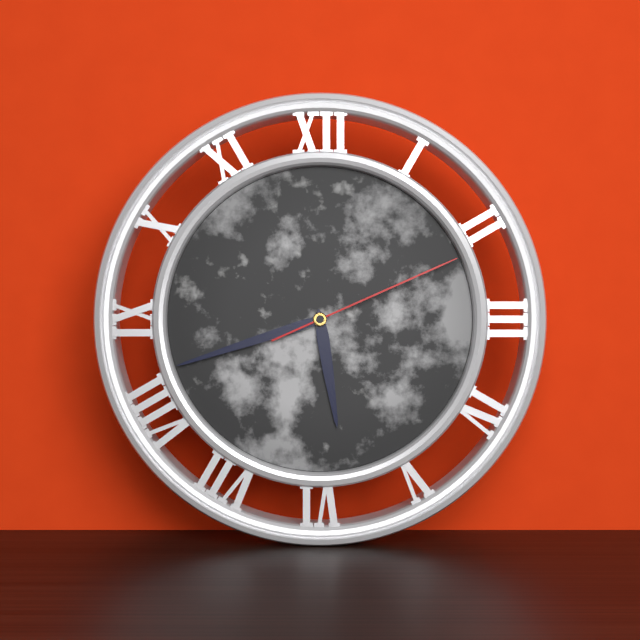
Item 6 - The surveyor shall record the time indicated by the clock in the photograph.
5:42:11
